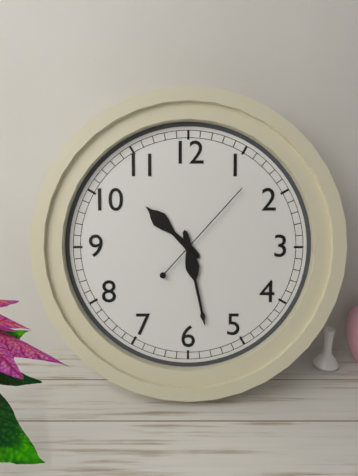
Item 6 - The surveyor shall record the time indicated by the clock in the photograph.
10:28:07
